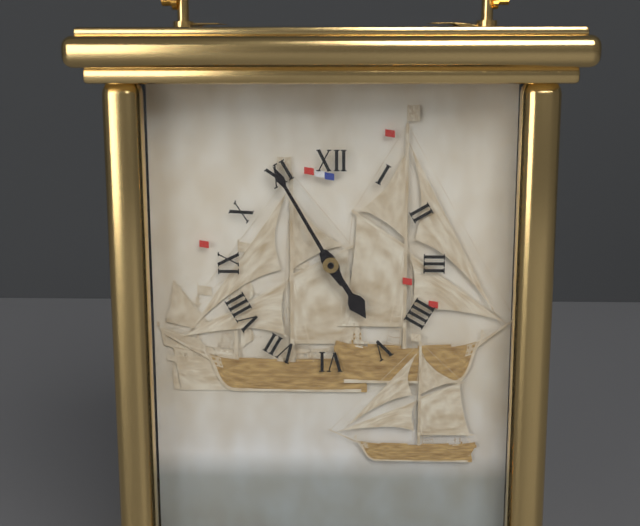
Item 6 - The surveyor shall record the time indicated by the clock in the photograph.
4:55
